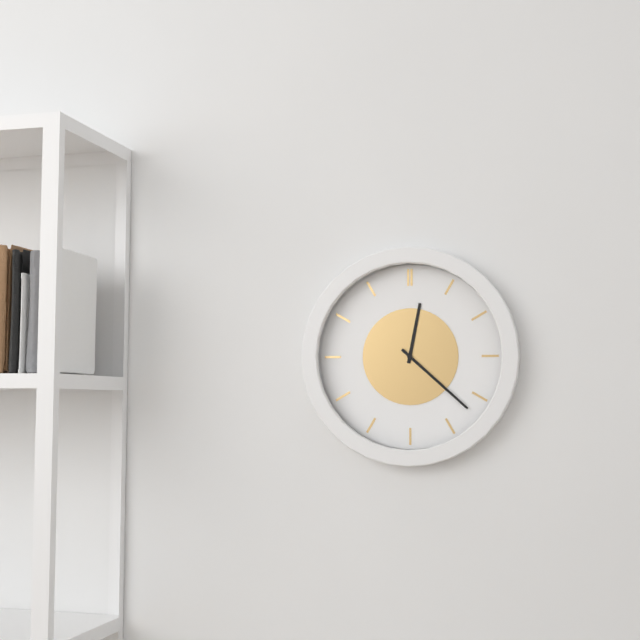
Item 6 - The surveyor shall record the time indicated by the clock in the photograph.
12:22
